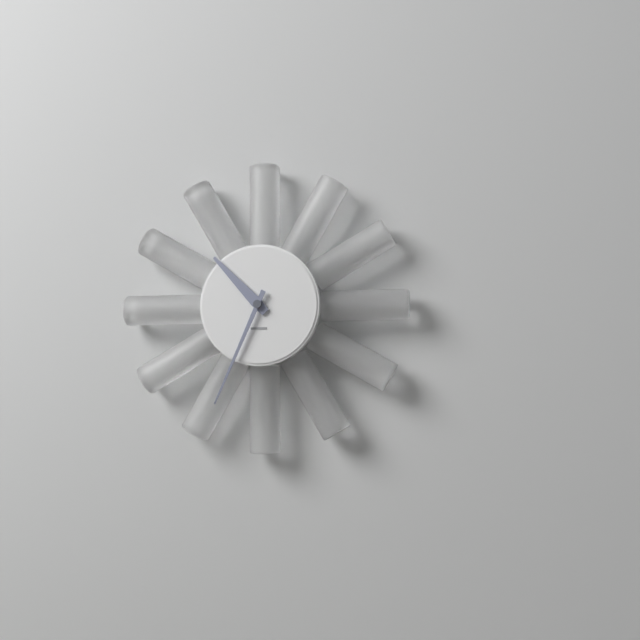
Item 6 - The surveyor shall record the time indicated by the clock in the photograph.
10:34
